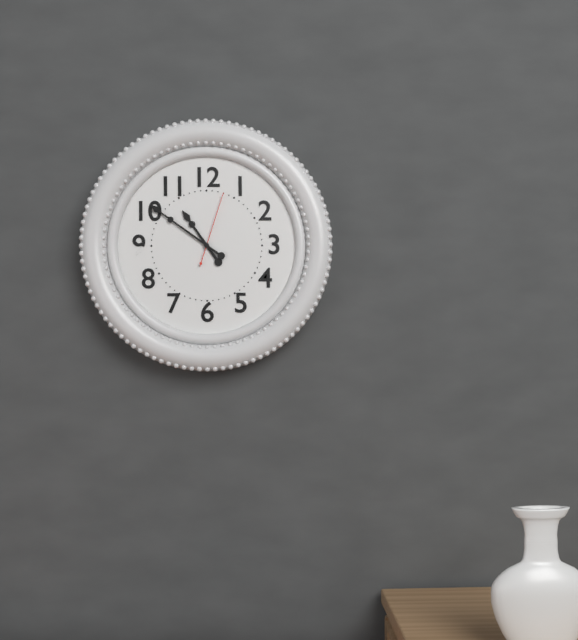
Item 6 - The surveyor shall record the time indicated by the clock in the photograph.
10:51:03
